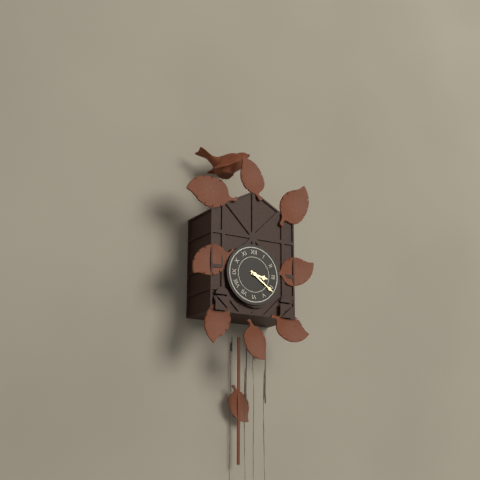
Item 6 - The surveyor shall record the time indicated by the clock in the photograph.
3:21
